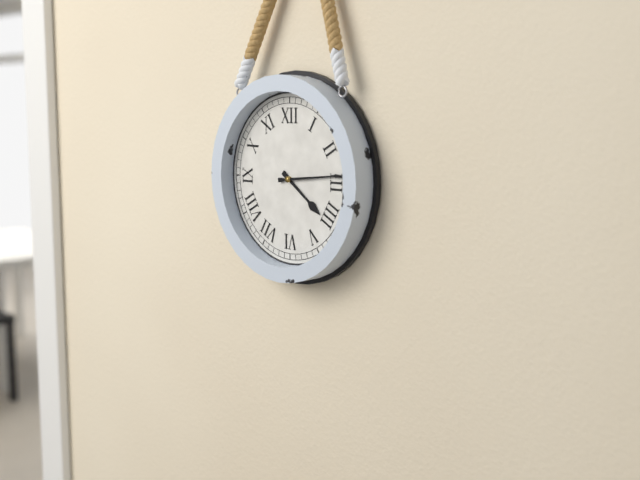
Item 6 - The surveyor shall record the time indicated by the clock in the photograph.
4:14
